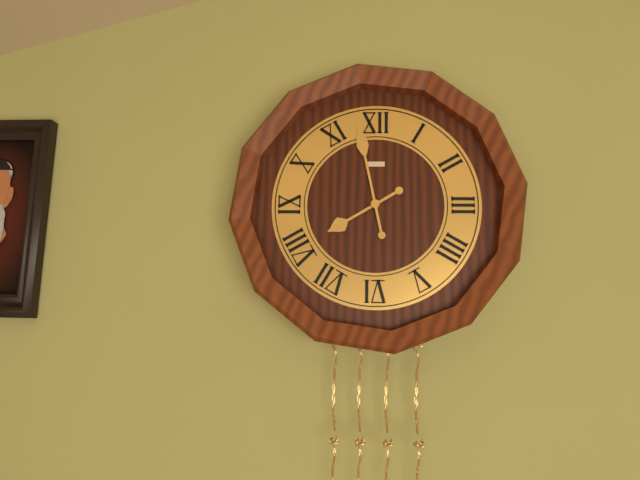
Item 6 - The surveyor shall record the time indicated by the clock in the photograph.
7:58
